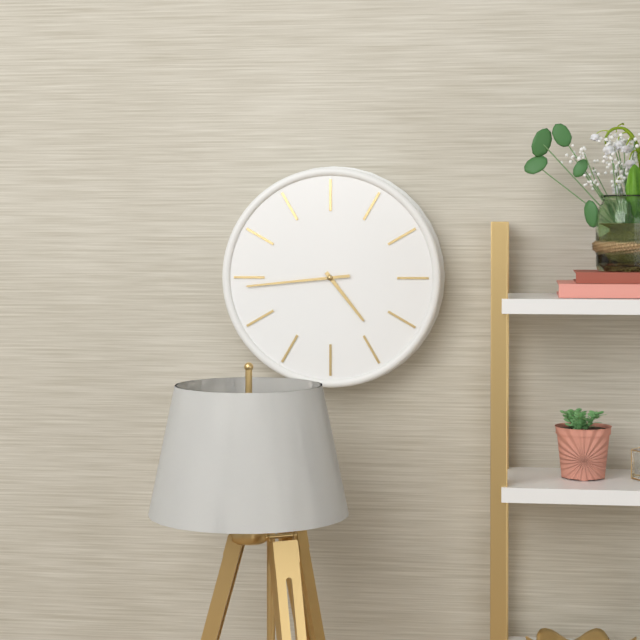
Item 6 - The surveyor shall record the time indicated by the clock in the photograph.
4:44
